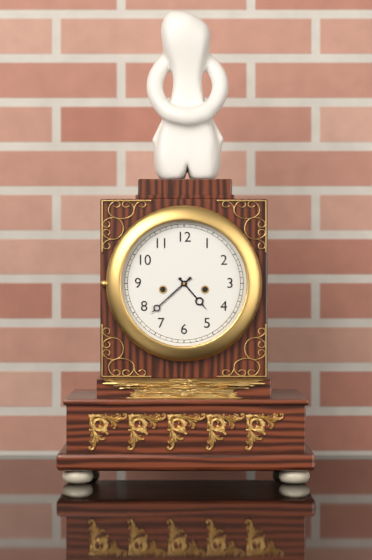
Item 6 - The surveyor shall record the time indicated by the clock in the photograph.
4:38
